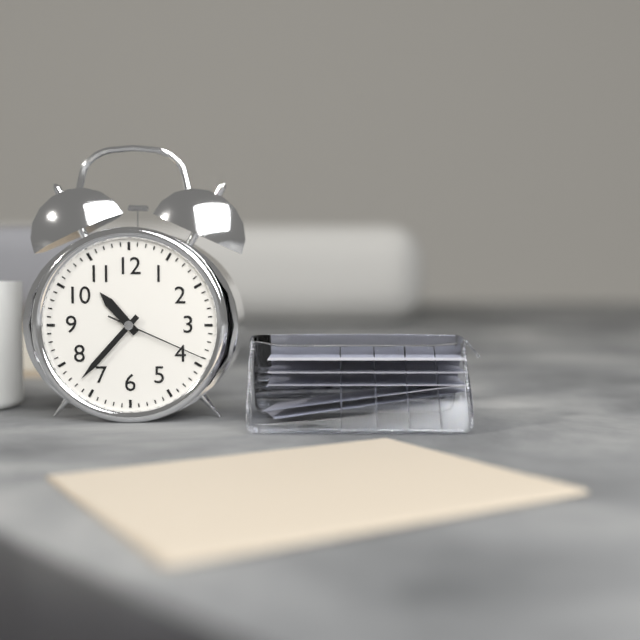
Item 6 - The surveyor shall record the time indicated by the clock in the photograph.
10:37:19
